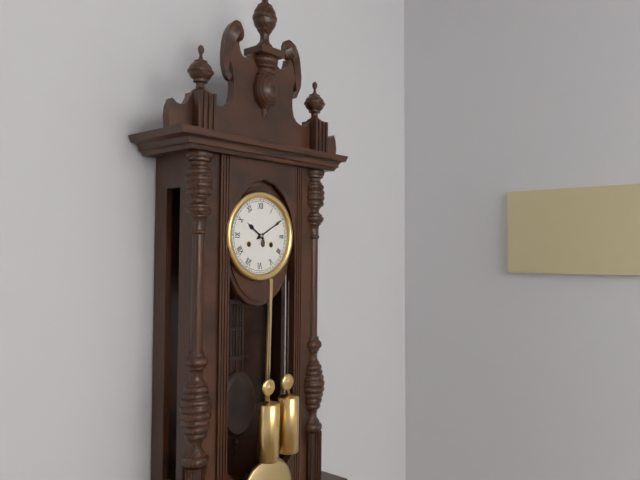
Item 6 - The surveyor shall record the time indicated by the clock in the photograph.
10:10
